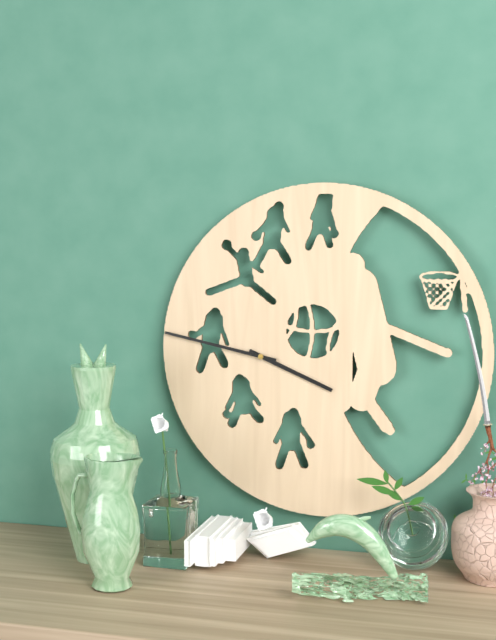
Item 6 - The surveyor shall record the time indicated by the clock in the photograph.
3:47
